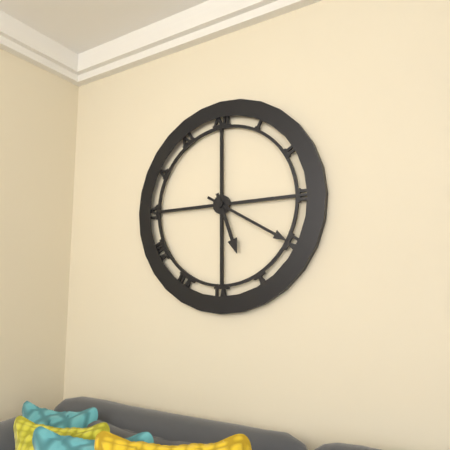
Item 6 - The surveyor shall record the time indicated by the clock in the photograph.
5:20
